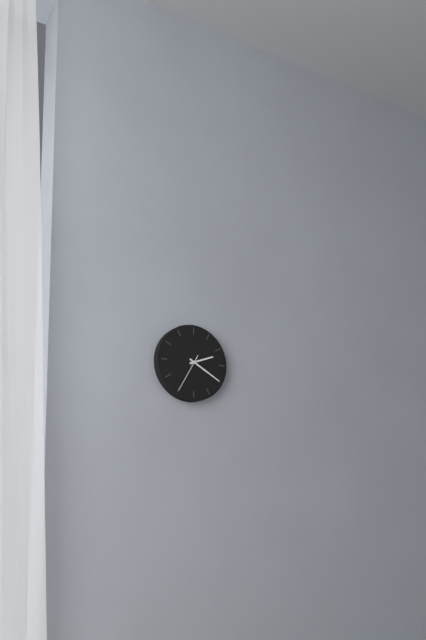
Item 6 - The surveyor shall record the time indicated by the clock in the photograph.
2:20
